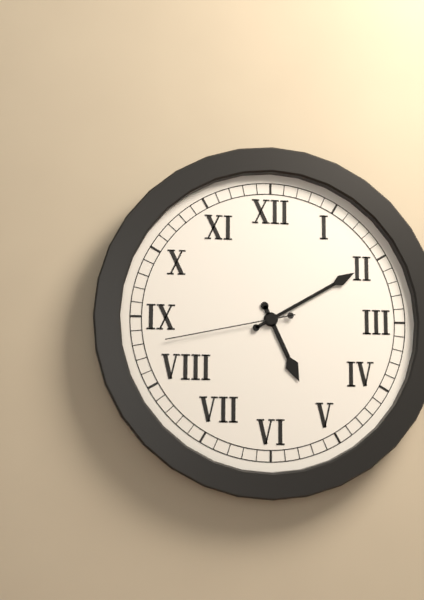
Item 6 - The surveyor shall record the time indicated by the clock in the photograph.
5:10:43
